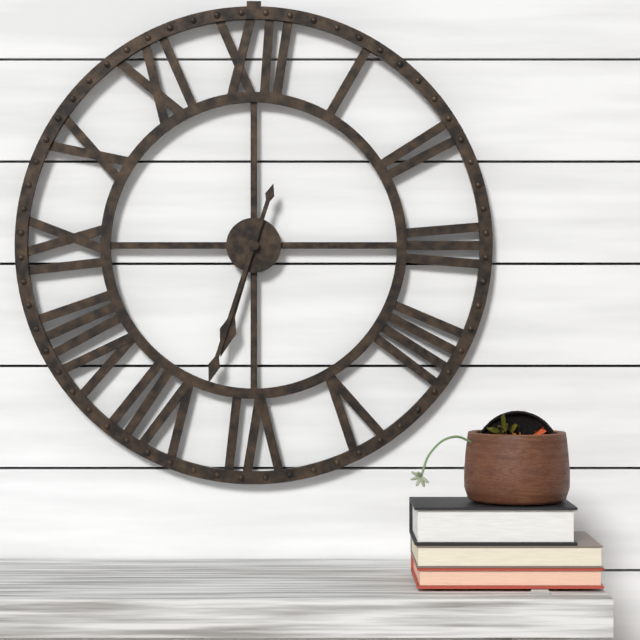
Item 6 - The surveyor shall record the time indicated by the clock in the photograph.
6:33
